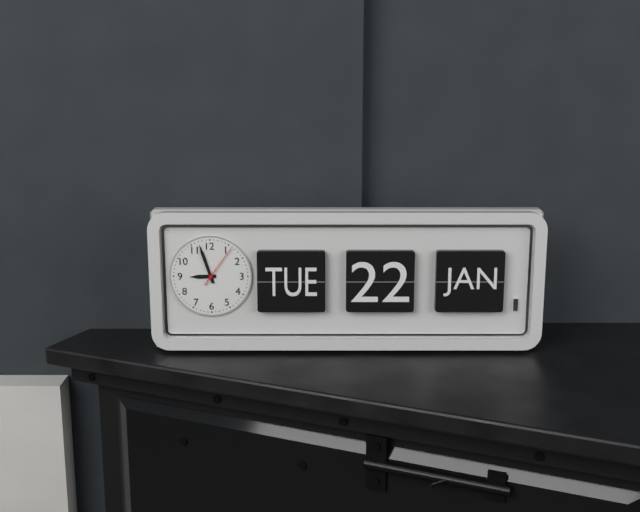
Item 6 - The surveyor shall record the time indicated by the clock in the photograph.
8:57
